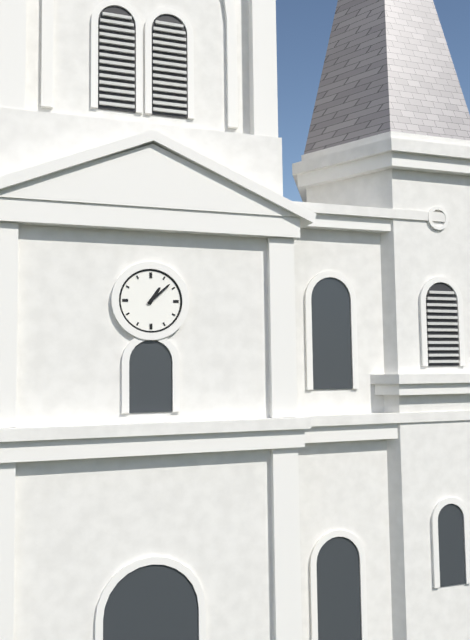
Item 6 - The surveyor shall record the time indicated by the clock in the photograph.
1:08
